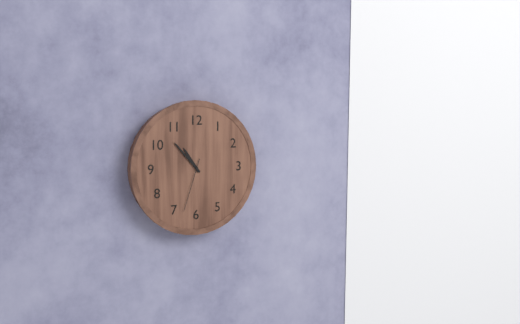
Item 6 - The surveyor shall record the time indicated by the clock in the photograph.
10:53:33
